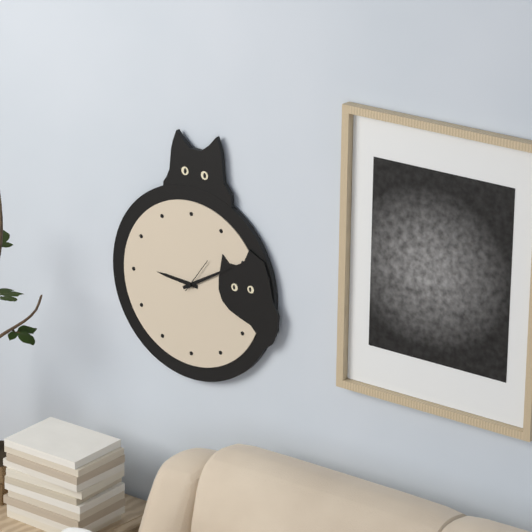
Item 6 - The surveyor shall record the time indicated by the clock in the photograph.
9:10
